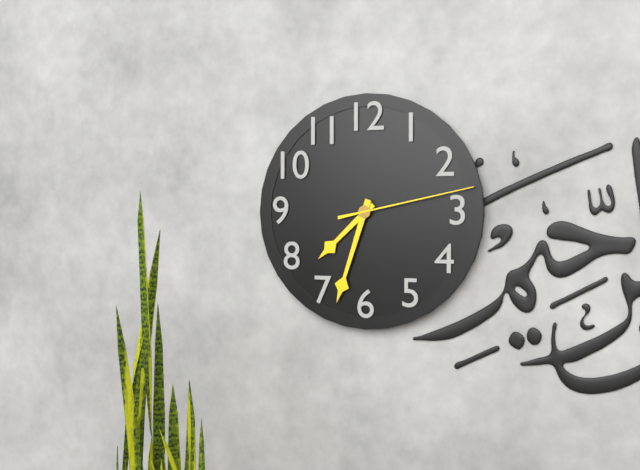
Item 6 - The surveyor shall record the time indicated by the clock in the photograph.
7:33:13
